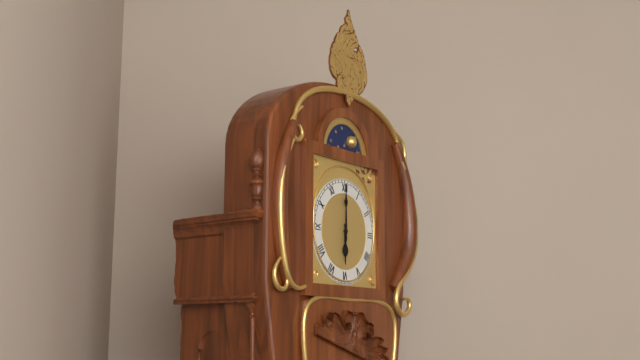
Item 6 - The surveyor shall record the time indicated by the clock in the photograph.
6:00
